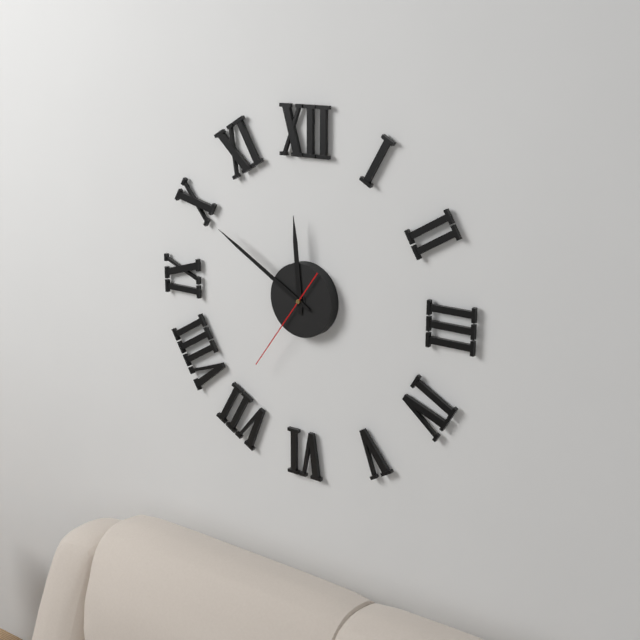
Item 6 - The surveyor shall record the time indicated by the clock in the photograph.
11:50:36
